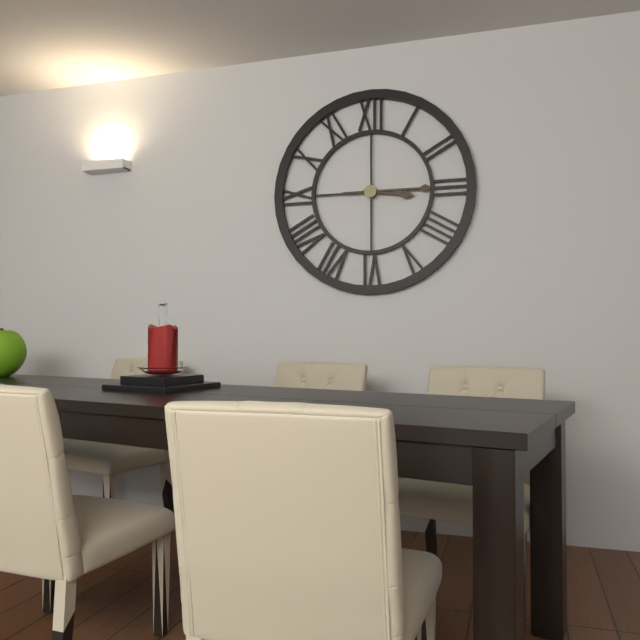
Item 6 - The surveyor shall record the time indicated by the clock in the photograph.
3:15
